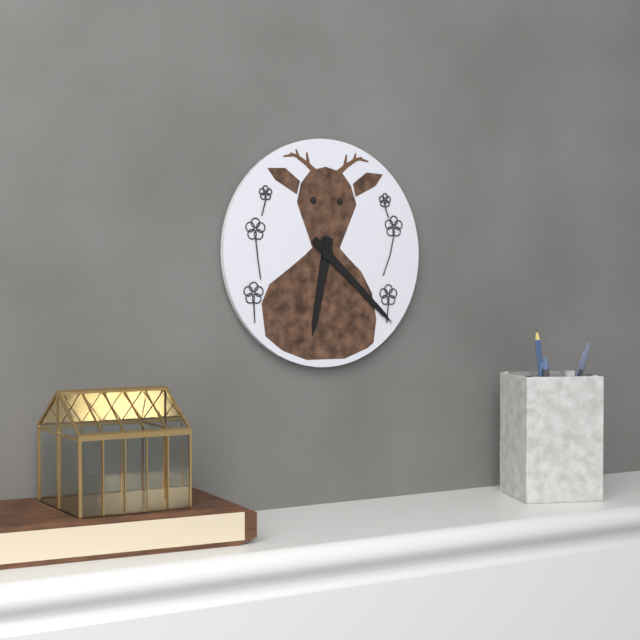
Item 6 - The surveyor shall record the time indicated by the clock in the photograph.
6:22
